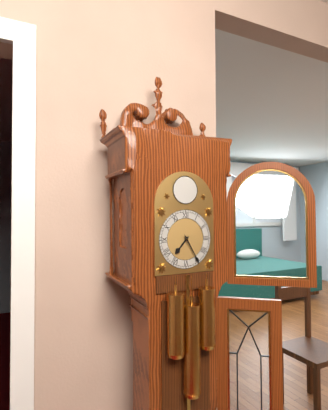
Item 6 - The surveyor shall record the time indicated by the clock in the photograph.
7:25
